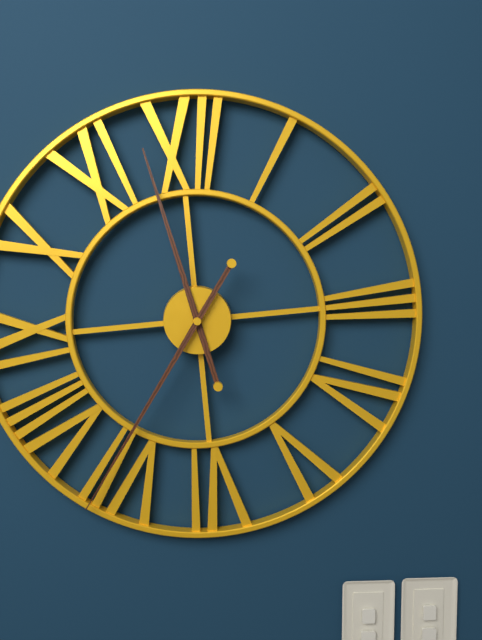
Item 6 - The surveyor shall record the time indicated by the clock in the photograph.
11:36
